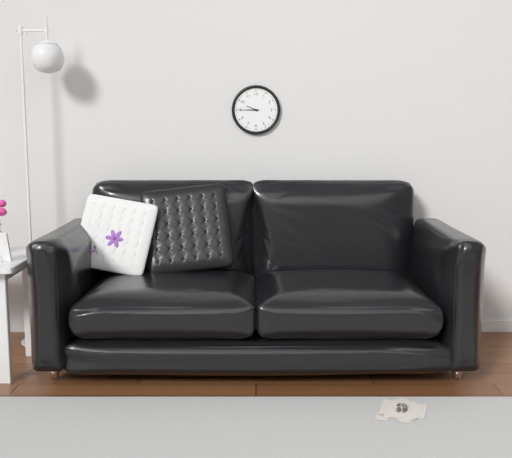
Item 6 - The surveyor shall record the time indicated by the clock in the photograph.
9:45
